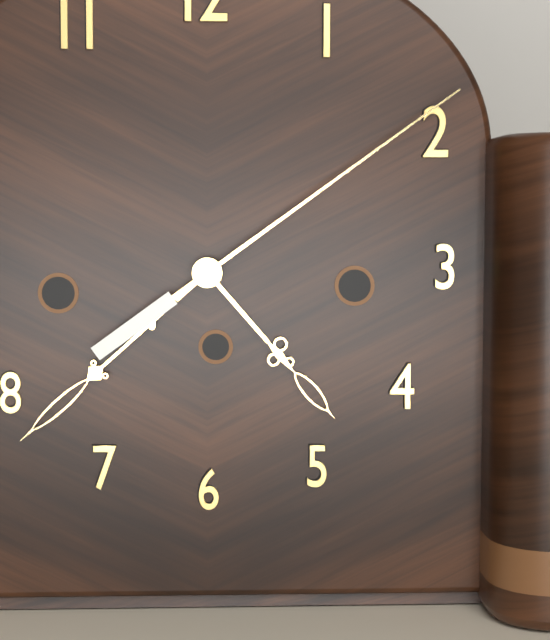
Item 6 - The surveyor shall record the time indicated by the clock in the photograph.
4:38:09
